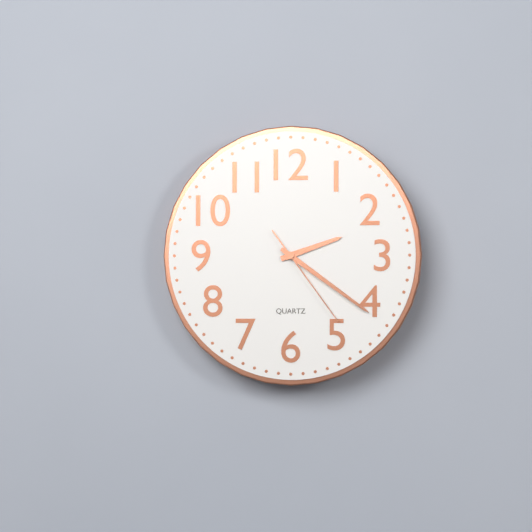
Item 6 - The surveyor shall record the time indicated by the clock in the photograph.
2:21:24
